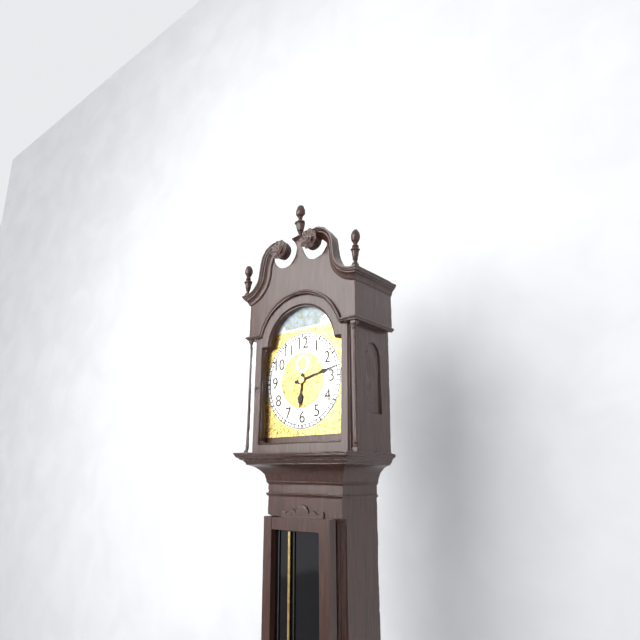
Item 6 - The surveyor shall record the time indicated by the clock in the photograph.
6:13
